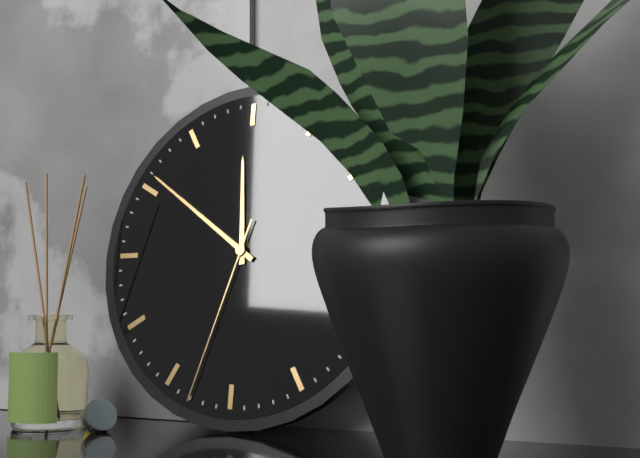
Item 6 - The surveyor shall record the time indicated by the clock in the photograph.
11:51:33
